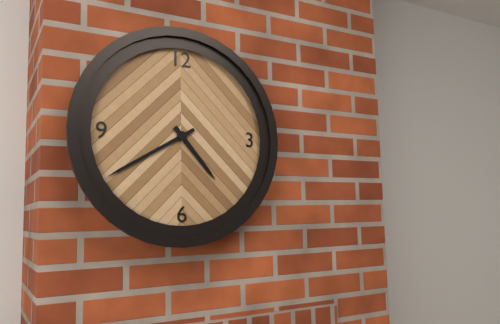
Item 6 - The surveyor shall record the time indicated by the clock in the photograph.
4:40
